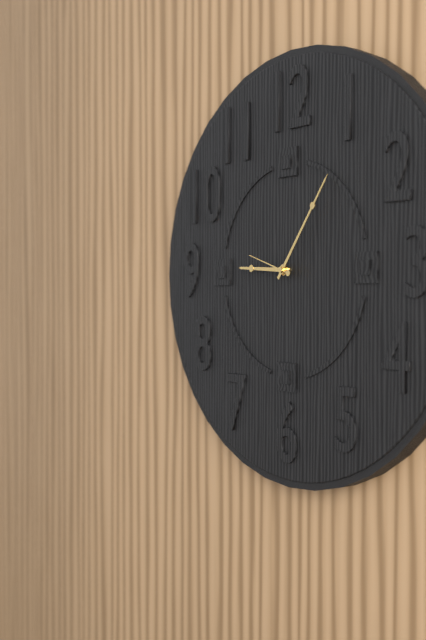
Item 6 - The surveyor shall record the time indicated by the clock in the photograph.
9:06
